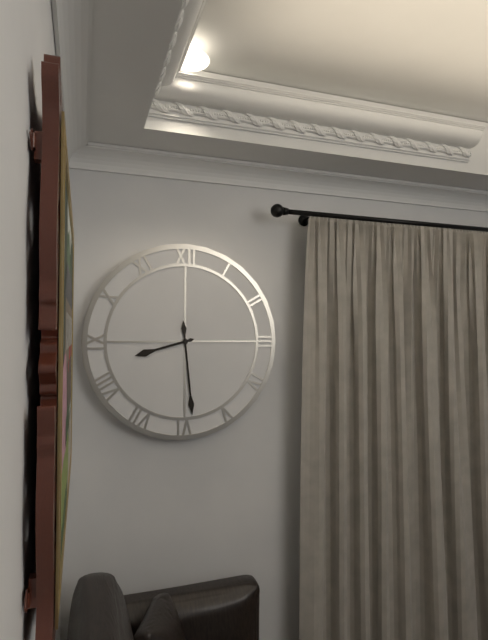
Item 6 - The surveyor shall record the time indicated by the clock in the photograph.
8:29
